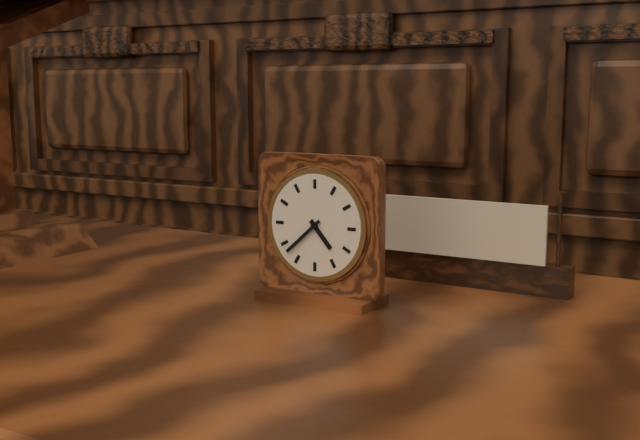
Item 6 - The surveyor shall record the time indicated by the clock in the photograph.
4:38
